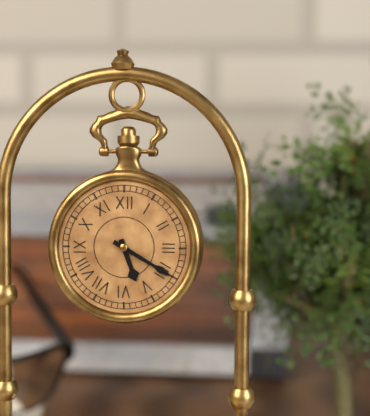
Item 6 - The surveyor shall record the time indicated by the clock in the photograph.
5:20
